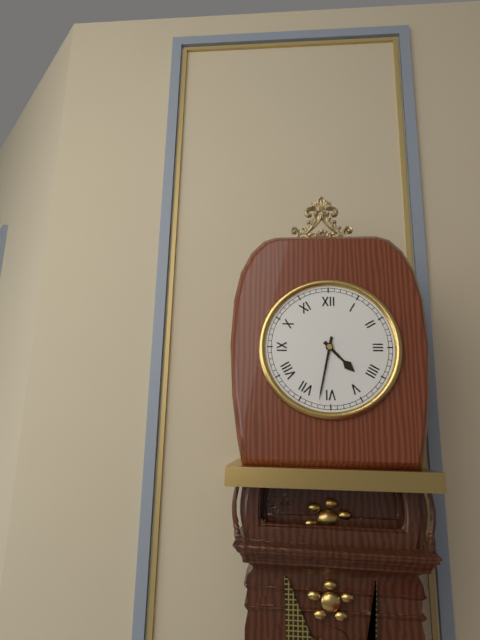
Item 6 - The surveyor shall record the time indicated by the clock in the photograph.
4:32
